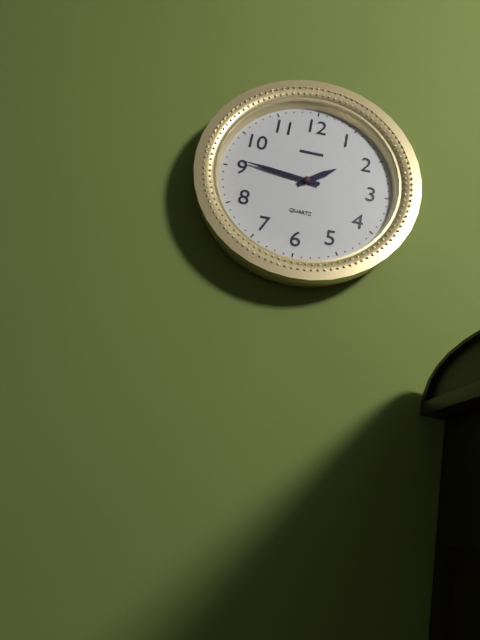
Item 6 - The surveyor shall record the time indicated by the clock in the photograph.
1:46
